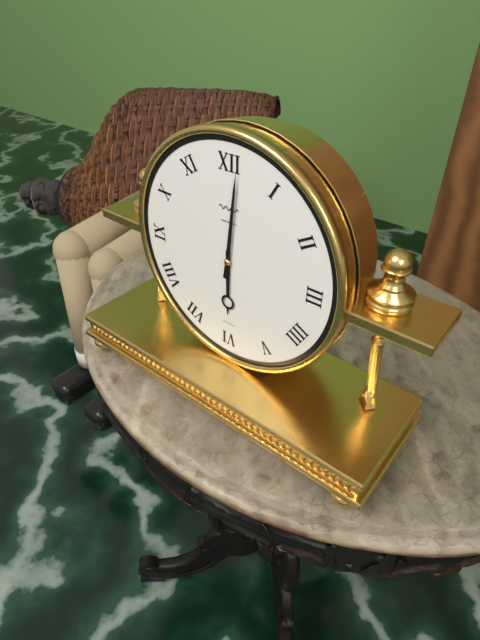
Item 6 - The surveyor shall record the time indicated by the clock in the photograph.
6:01
